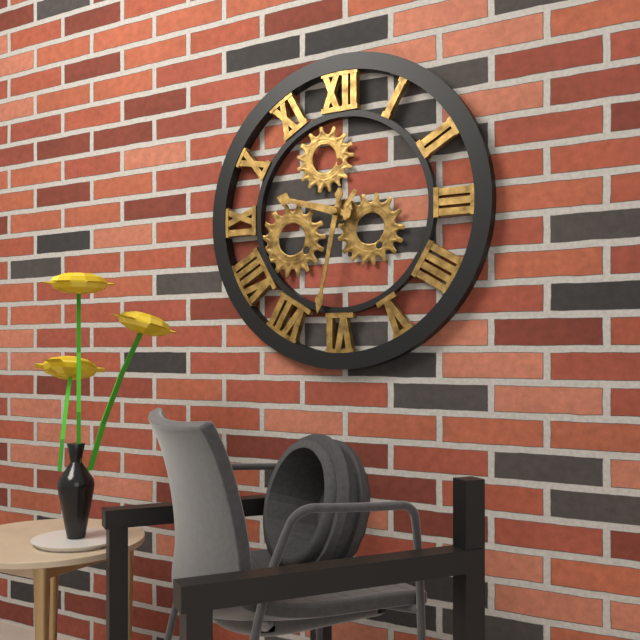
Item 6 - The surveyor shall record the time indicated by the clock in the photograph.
9:32
